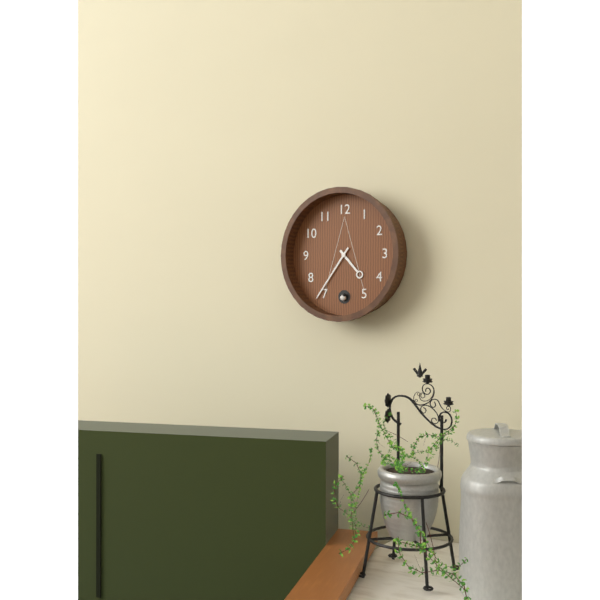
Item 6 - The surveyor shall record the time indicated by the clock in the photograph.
4:36
